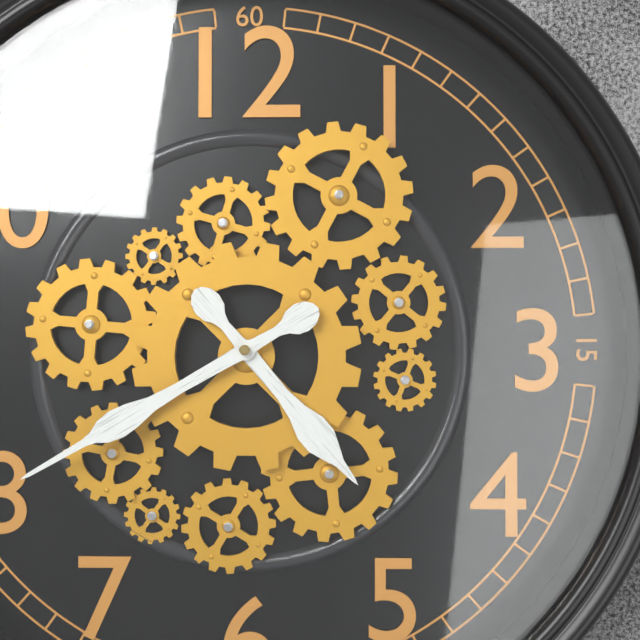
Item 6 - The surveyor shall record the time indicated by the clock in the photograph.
4:40
